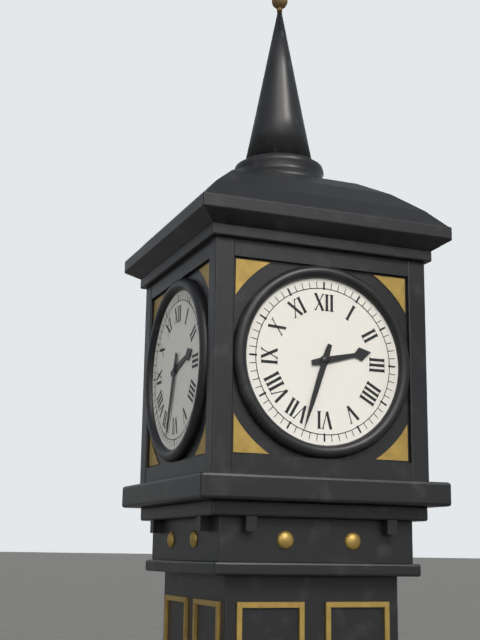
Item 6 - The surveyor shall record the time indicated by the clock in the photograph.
2:33
